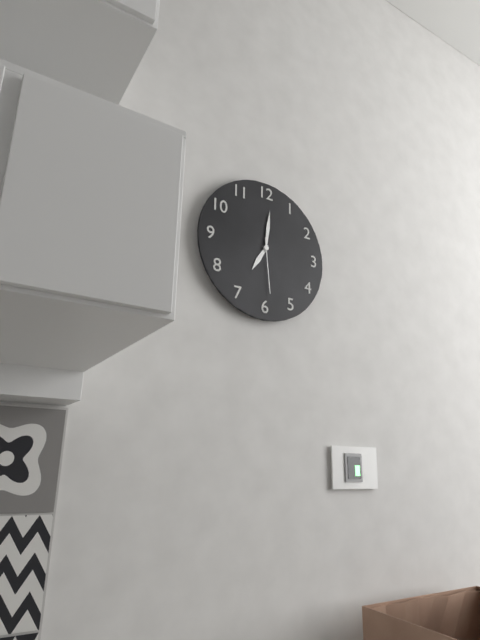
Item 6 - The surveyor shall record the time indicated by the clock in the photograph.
7:01:29
